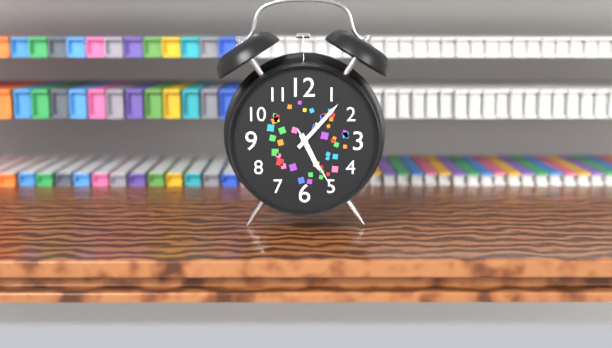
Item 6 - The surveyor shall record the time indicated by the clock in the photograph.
5:07:25
